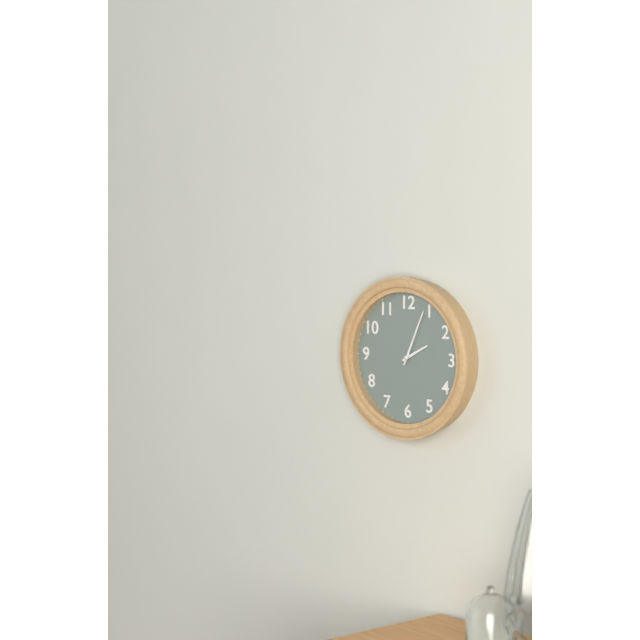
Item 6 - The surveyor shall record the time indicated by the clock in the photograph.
2:04
